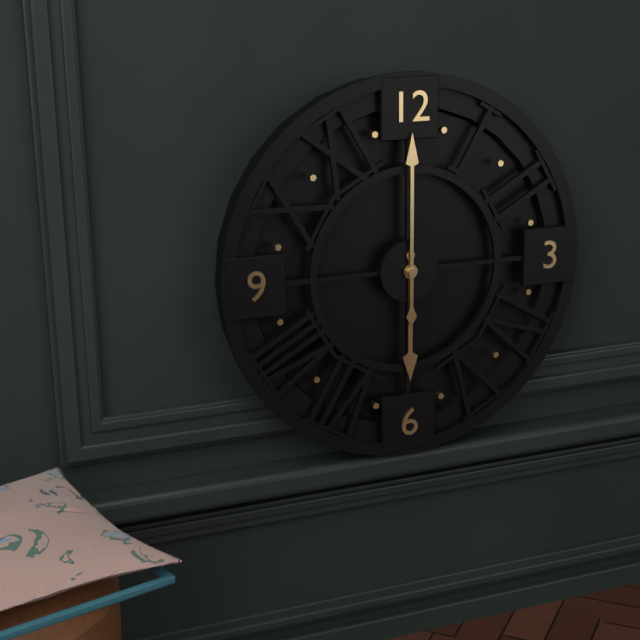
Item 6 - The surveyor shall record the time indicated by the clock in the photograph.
6:00
